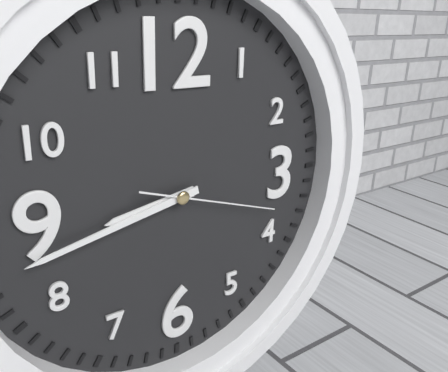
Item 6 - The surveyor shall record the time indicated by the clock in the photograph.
8:43:18
